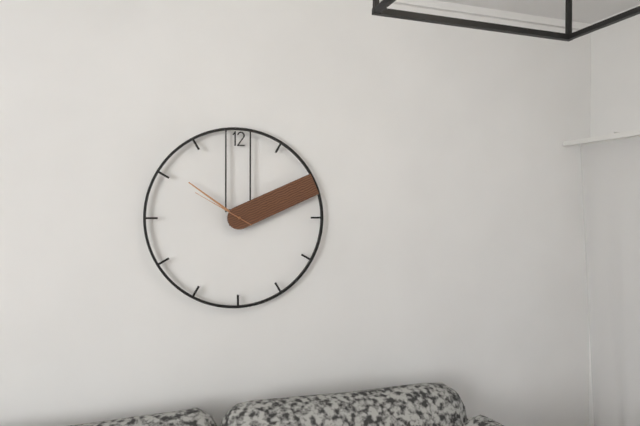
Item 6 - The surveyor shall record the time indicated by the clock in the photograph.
10:11:50
